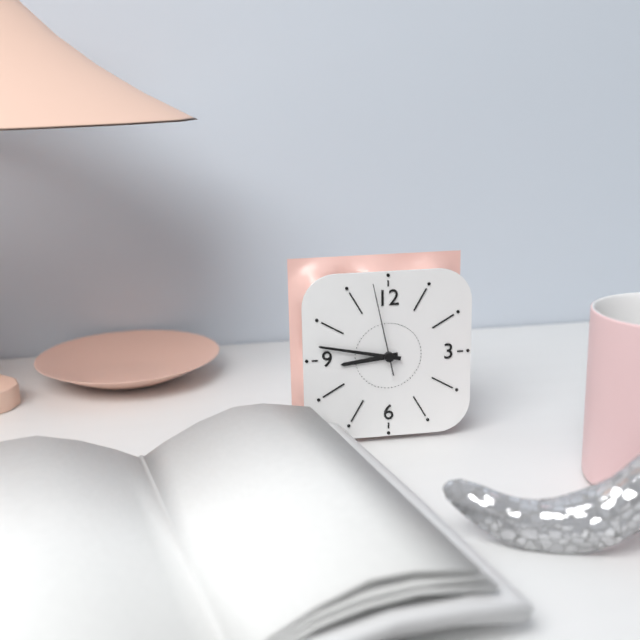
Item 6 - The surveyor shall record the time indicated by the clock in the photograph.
8:47:58
